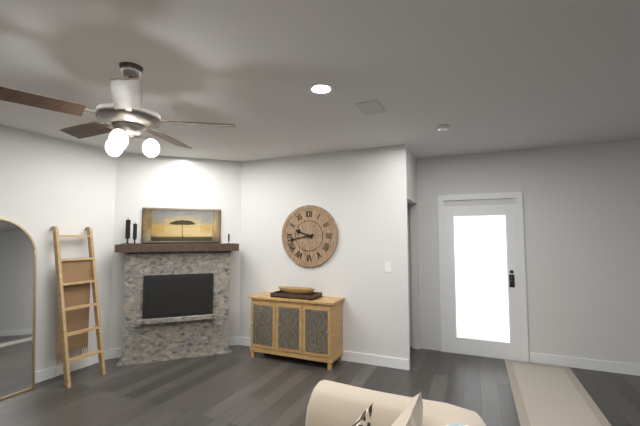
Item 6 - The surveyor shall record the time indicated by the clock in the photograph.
9:43
